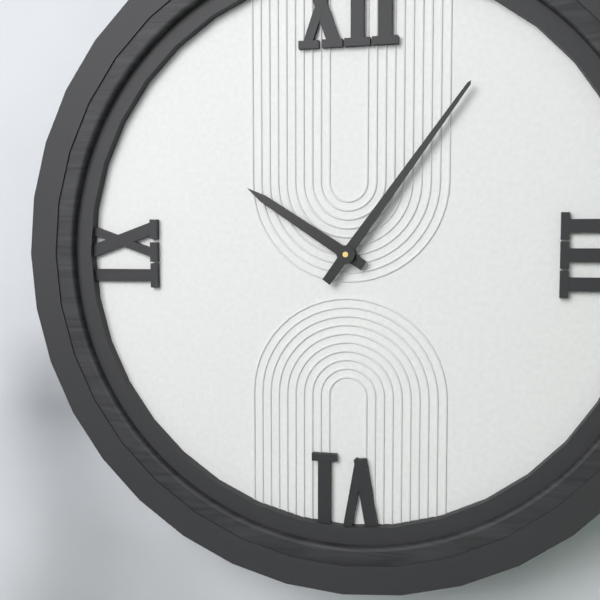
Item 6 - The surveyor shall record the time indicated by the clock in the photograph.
10:06
